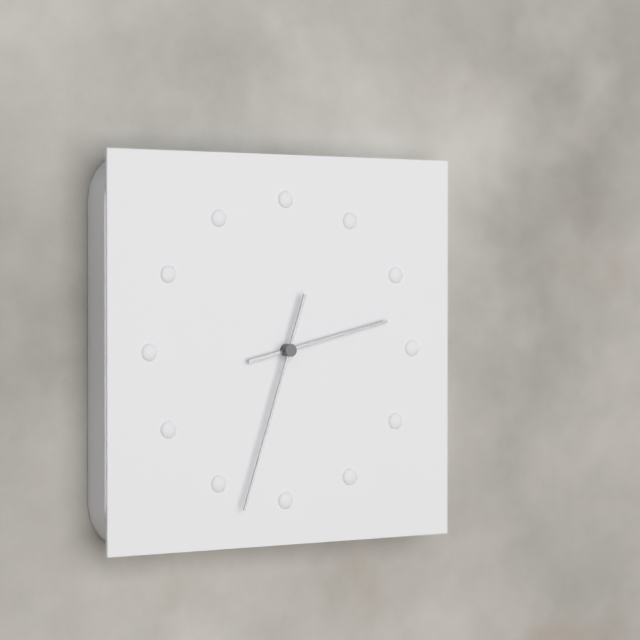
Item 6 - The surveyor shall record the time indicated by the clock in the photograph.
2:33
